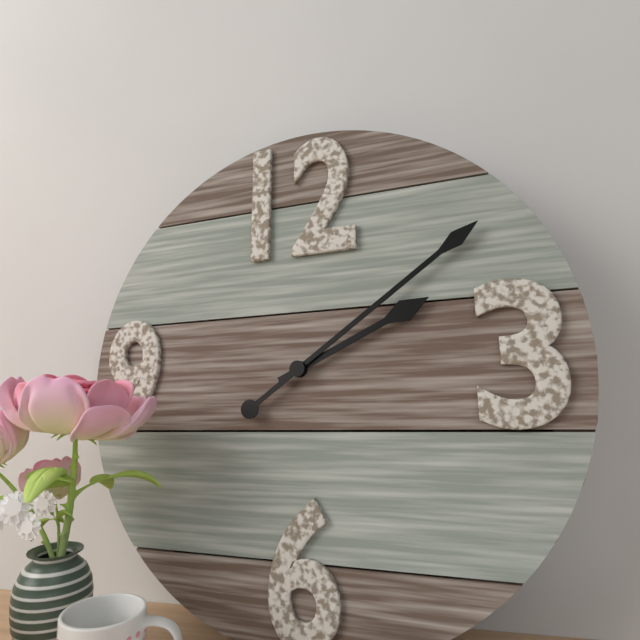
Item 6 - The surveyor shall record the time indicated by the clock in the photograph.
2:09
